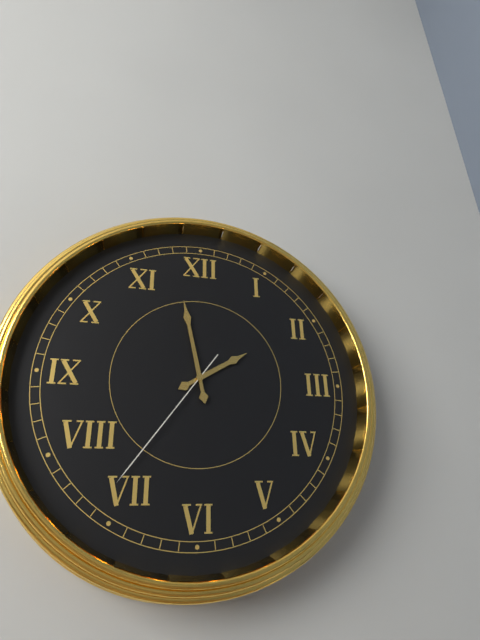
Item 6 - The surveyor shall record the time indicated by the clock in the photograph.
1:58:36
